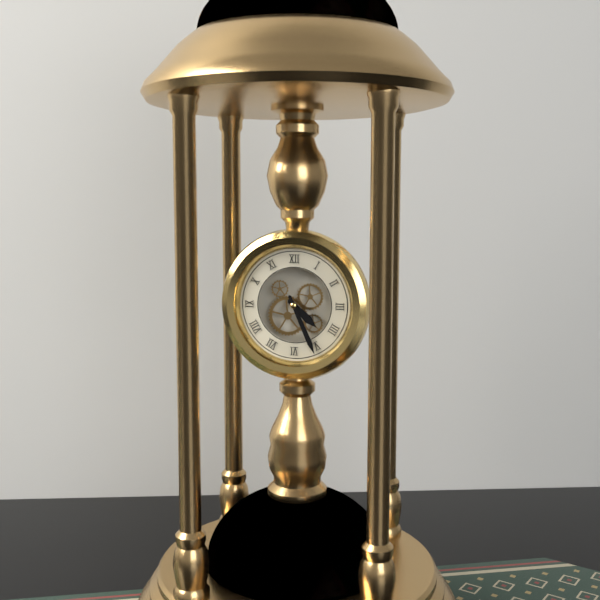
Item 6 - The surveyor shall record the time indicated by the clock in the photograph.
4:26
